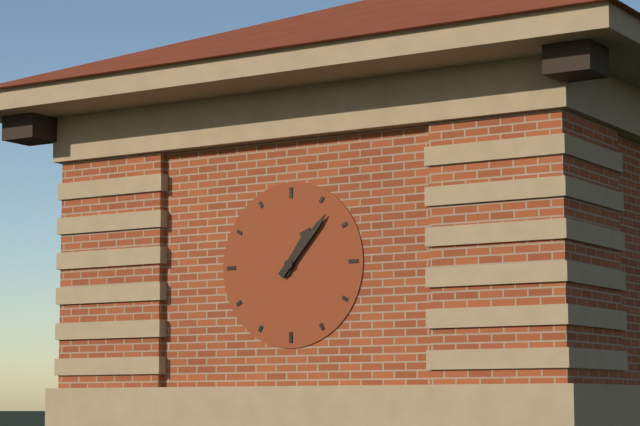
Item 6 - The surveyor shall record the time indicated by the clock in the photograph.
1:07
